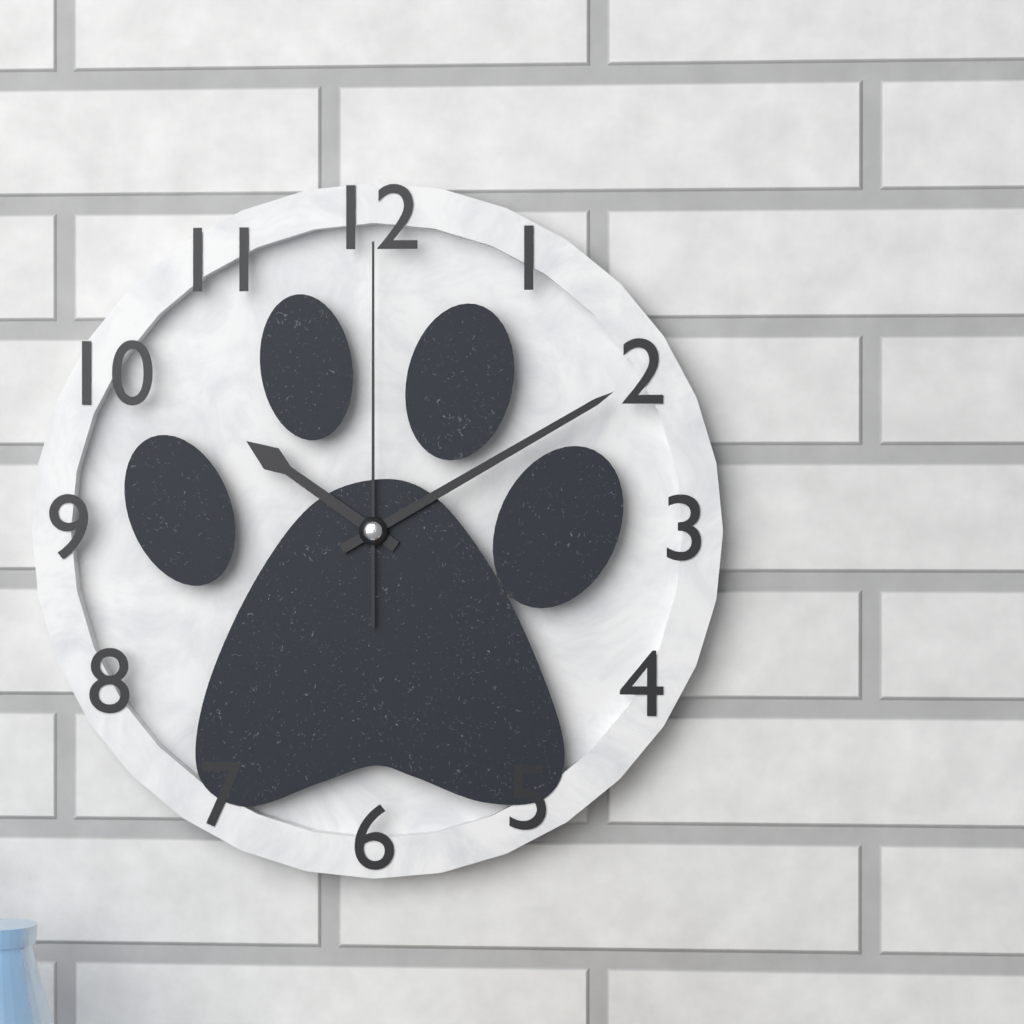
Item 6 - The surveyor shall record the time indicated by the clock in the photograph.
10:10:00
